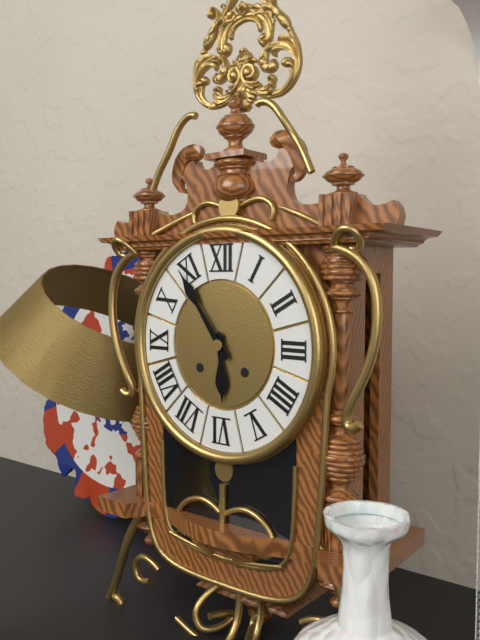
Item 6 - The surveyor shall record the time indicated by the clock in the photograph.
5:54
